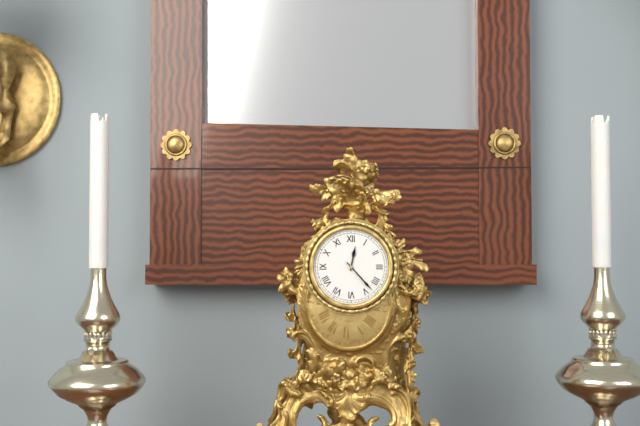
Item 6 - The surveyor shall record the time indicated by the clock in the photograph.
12:23
